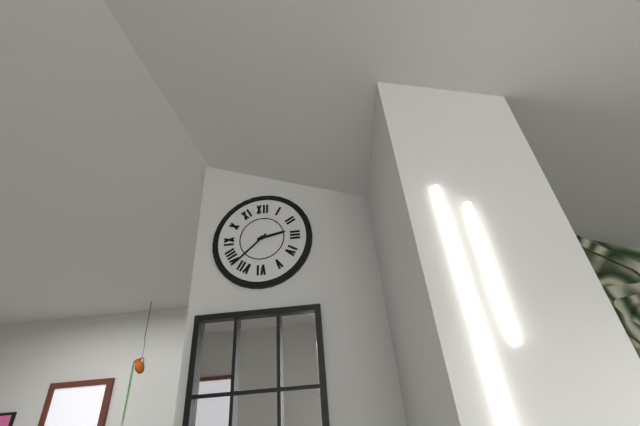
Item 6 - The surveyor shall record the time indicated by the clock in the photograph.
2:38
